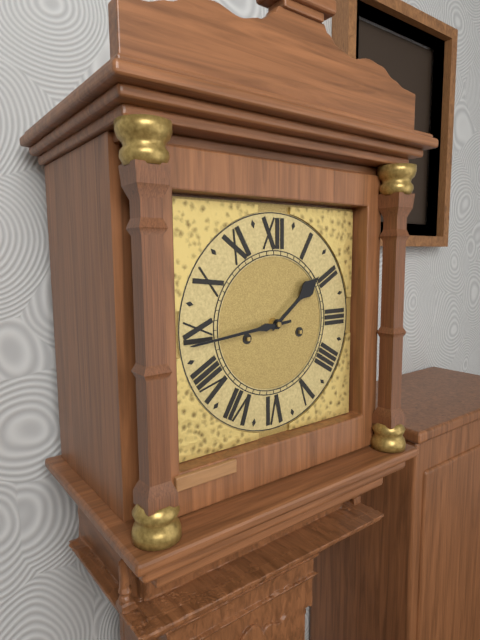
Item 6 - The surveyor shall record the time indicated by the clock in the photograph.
1:44
